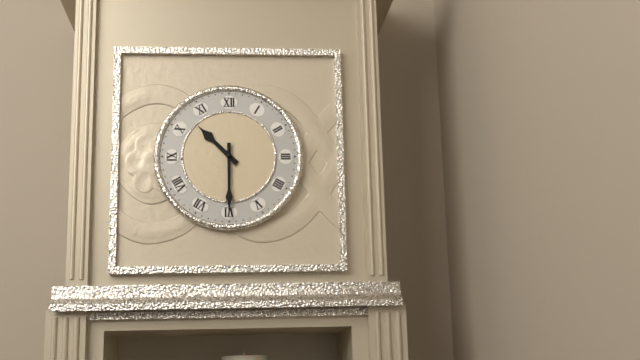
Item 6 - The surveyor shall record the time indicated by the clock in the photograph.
10:30
